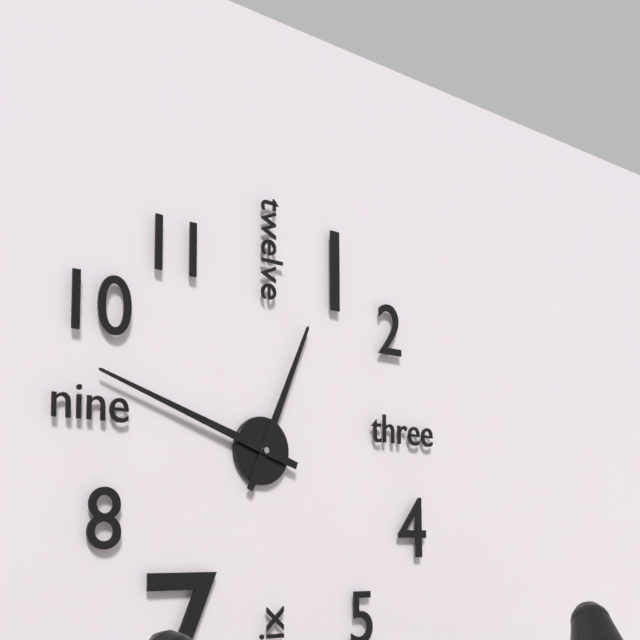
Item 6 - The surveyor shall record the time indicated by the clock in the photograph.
12:48
